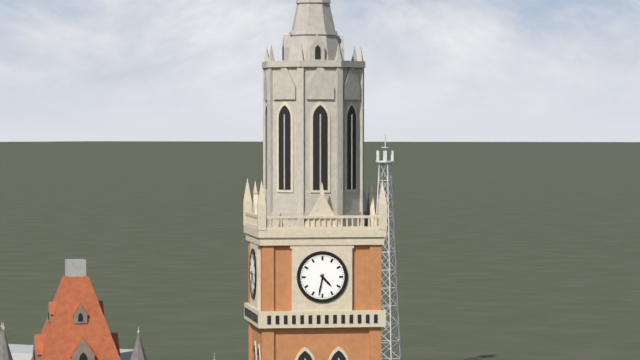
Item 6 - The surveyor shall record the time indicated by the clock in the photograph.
4:32
